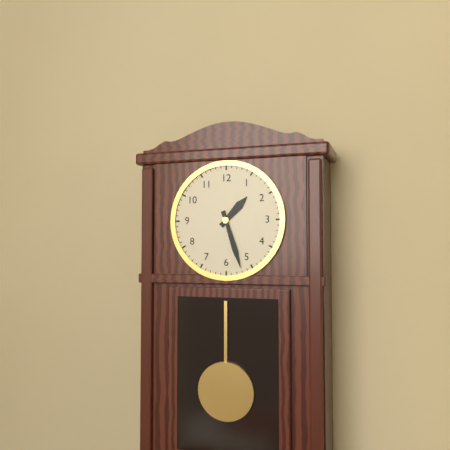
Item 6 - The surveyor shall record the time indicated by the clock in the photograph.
1:27
